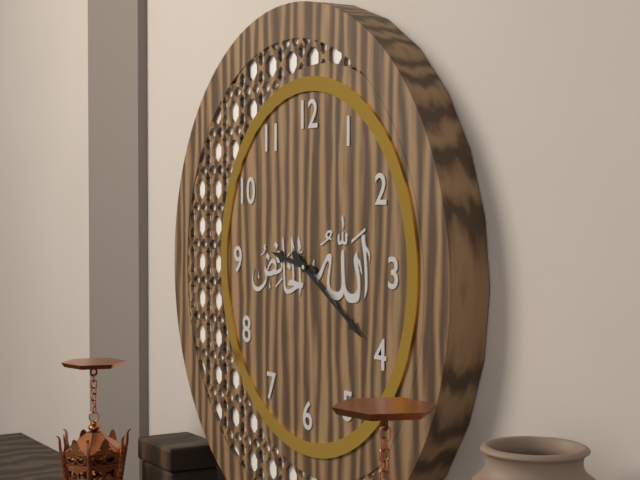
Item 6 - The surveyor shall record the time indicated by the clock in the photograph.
9:20
